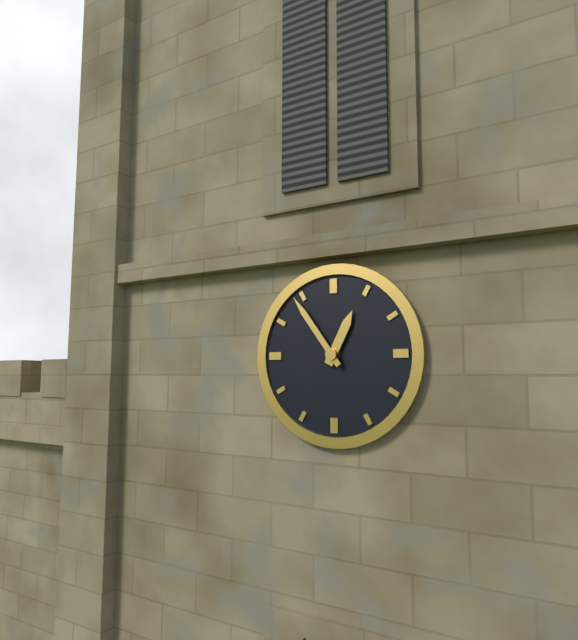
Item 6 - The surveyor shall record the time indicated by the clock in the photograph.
12:54
